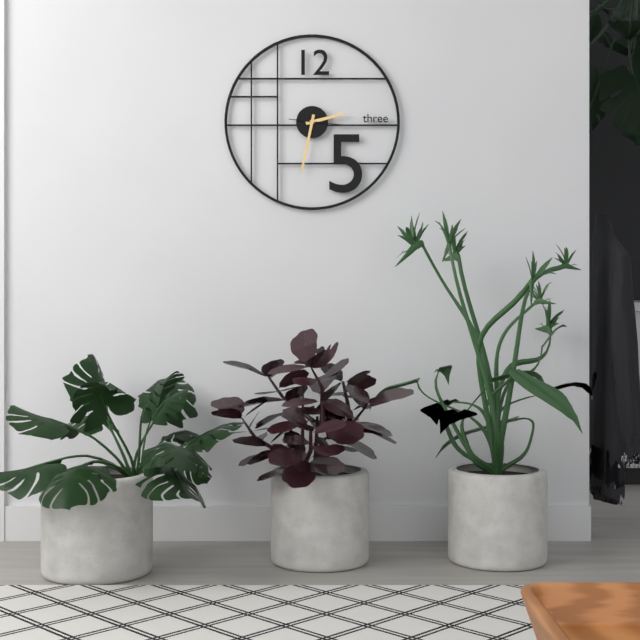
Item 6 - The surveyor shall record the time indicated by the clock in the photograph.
2:32:16
